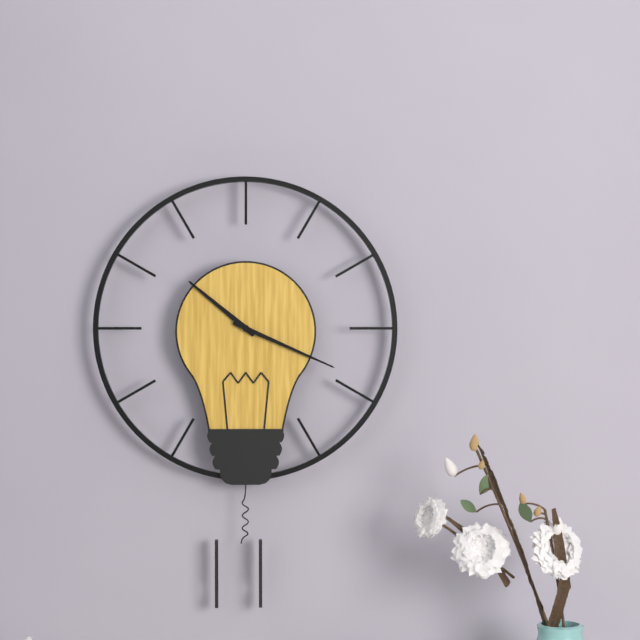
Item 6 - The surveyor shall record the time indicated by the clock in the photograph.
10:19
